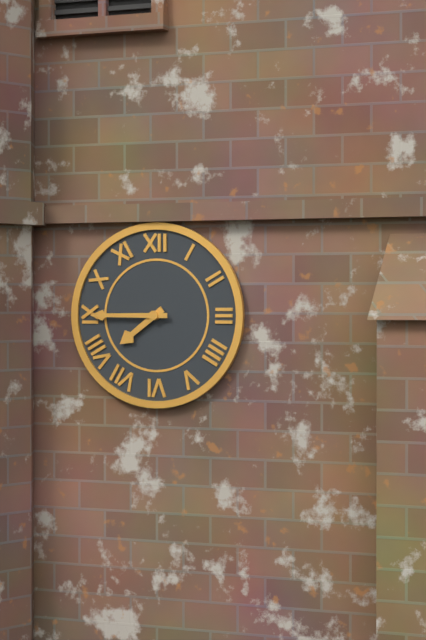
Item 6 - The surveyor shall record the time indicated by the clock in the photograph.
7:45
